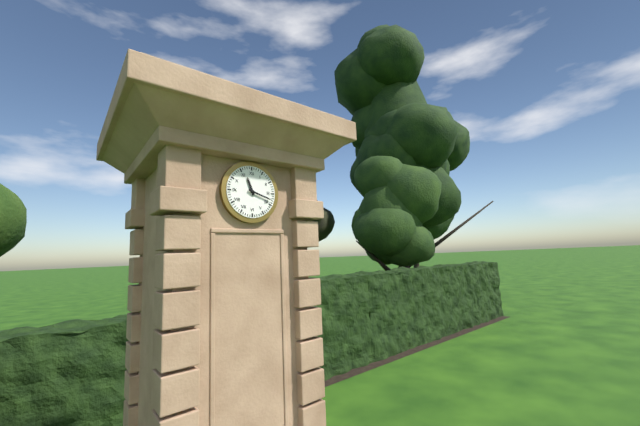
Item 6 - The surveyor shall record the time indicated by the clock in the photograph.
11:18
